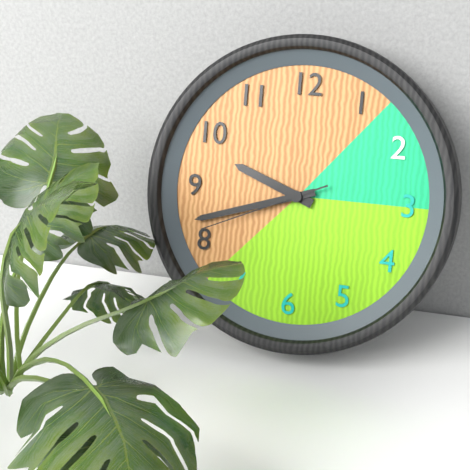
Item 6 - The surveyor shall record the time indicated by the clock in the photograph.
9:42:41
